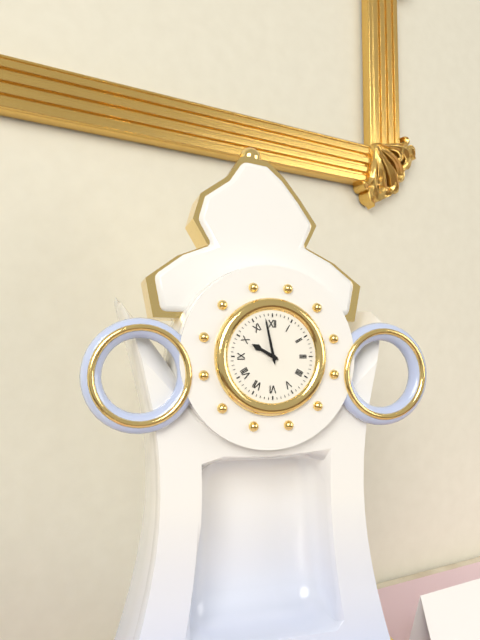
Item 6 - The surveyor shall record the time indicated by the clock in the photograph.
9:58
